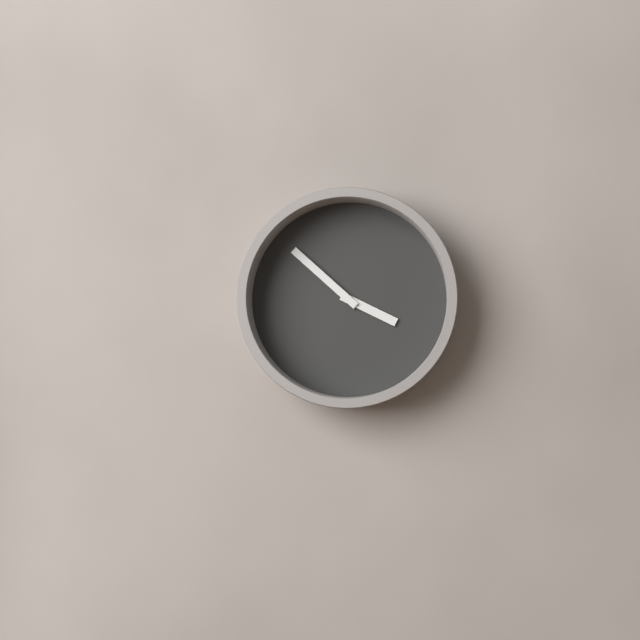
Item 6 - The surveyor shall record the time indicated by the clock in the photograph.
3:52
